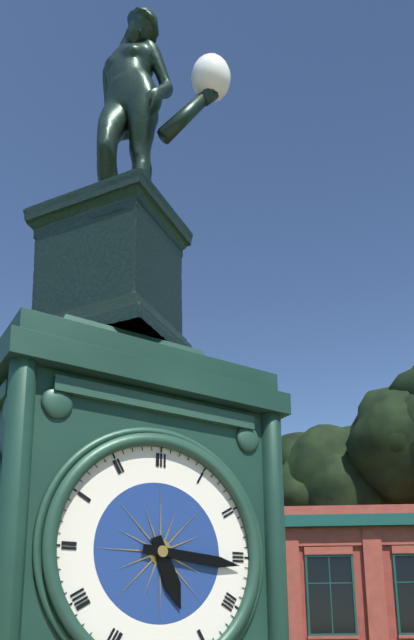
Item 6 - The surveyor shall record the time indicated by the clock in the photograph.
5:16
